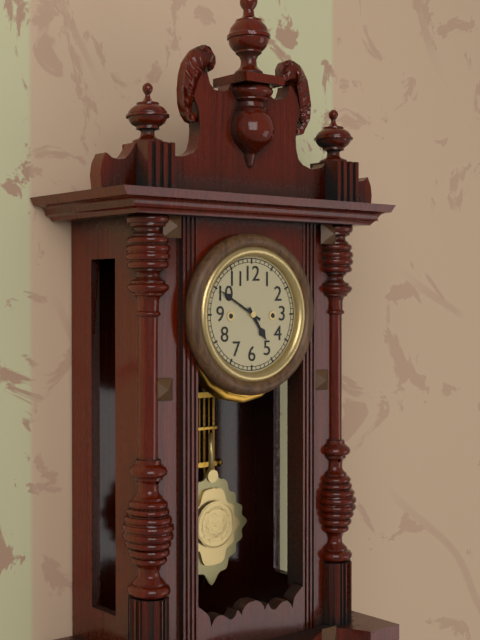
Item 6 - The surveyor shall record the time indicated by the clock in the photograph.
4:50
